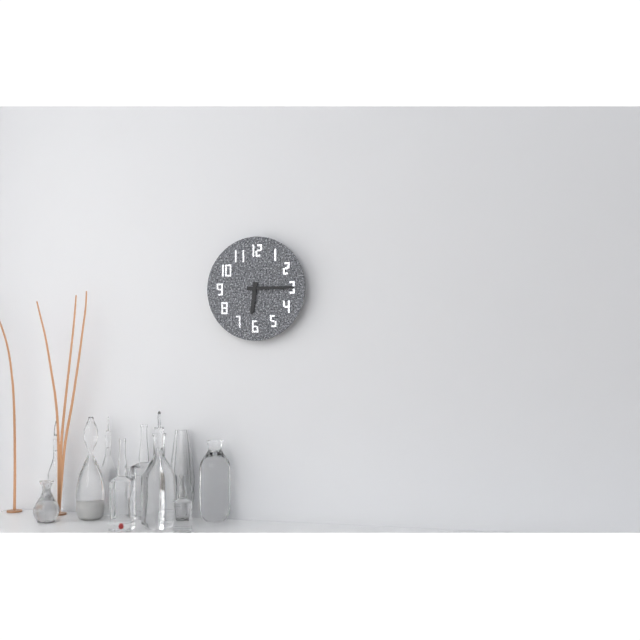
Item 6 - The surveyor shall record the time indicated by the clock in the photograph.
6:15
